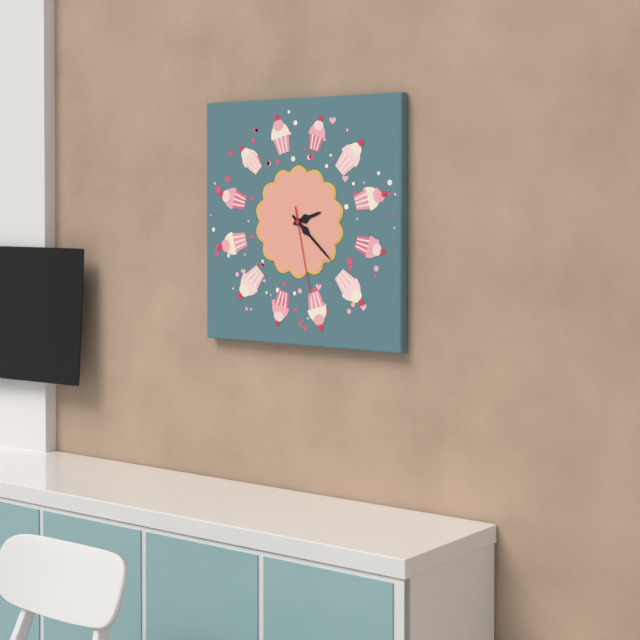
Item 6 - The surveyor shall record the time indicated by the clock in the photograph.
2:22:28
